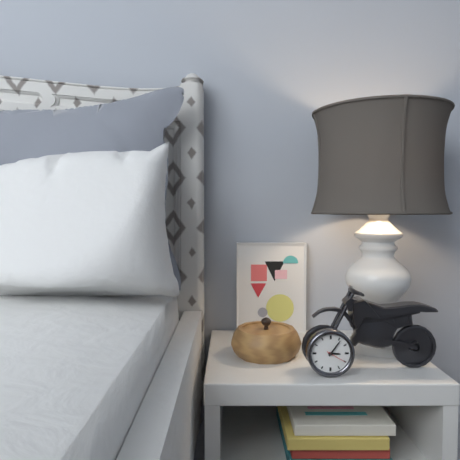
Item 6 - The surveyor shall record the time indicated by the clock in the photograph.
3:06
